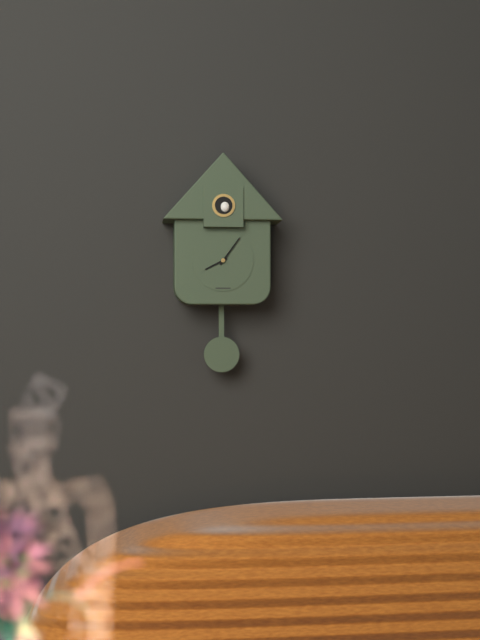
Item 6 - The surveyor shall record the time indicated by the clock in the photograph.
8:06
